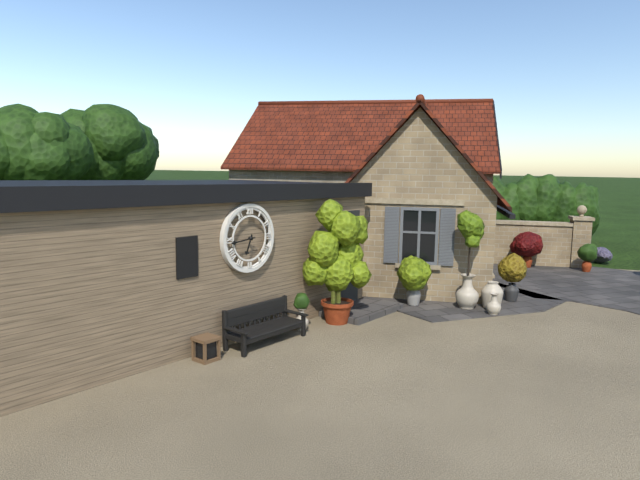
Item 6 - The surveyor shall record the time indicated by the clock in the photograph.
6:44
